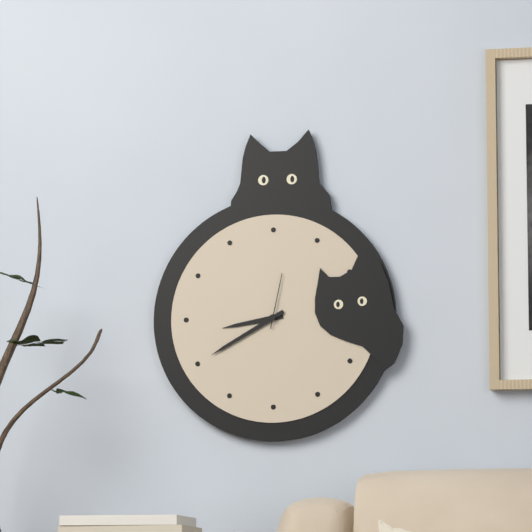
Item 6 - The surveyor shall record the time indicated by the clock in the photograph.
8:40:02
